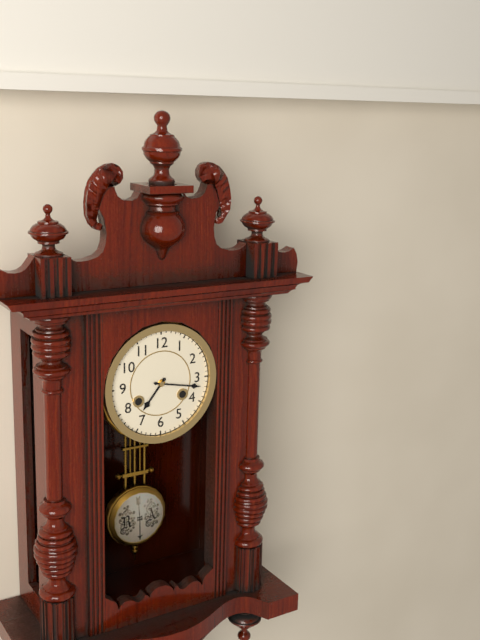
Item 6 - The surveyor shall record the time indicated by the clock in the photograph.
7:17
